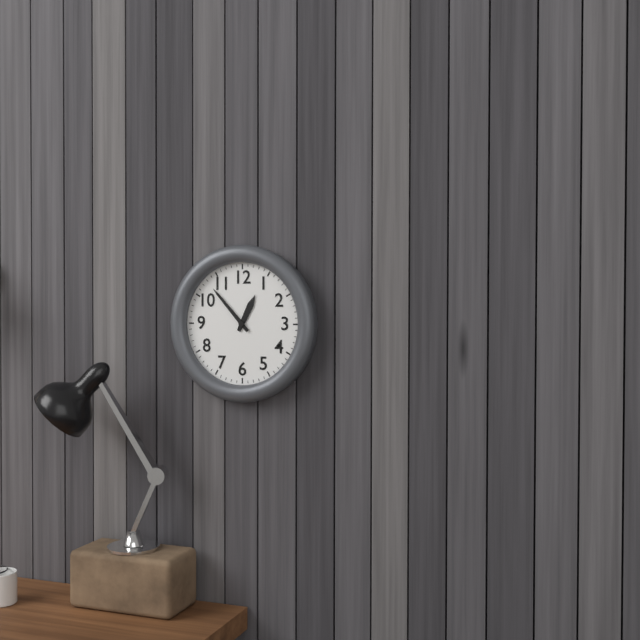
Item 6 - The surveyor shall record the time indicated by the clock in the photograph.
12:53
